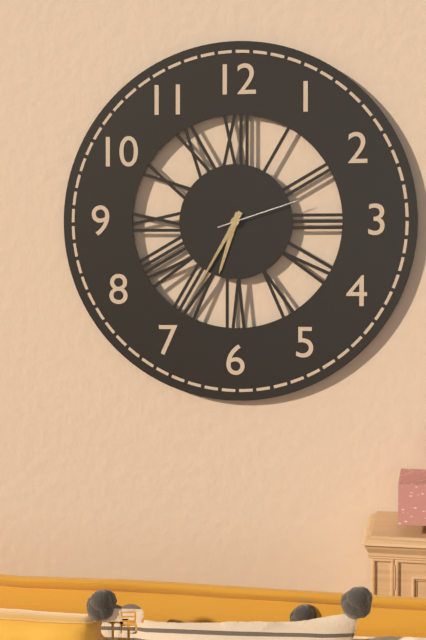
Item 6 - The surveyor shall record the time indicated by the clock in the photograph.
6:35:12
